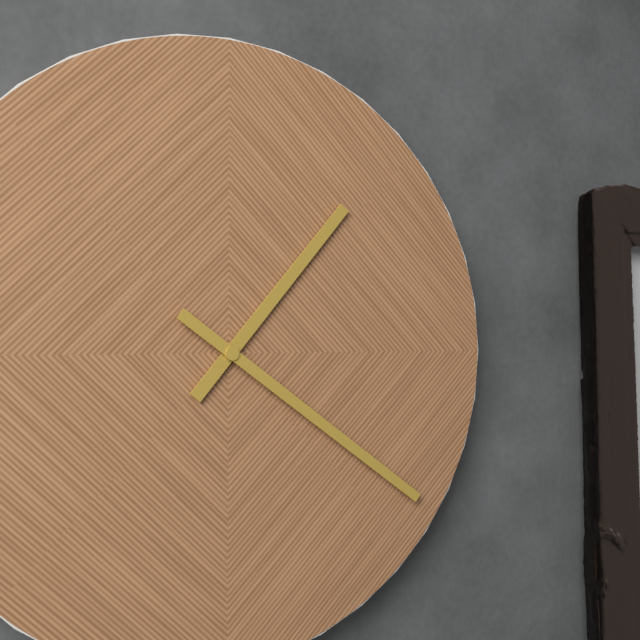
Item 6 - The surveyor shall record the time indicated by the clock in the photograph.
1:21
